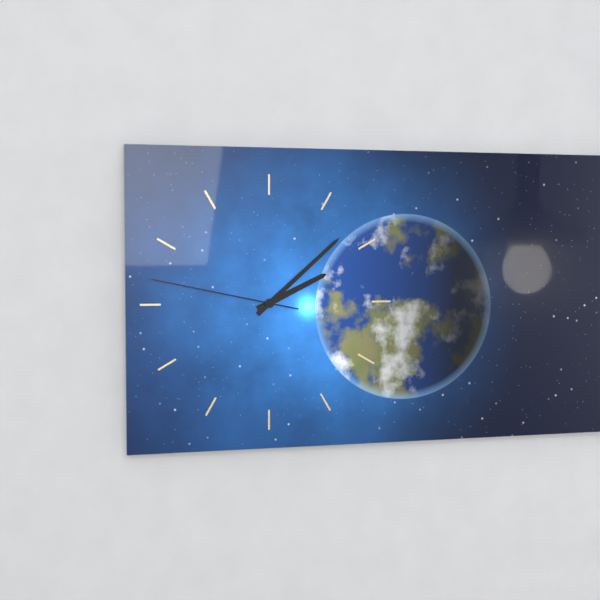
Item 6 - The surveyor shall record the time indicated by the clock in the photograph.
2:08:47
